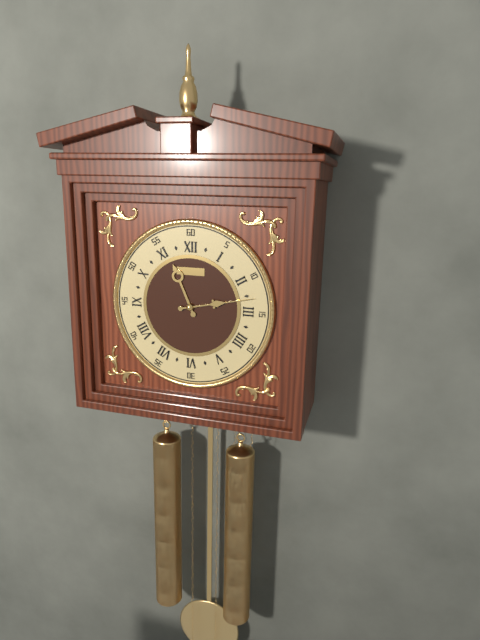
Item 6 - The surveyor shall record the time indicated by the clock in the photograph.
11:13
